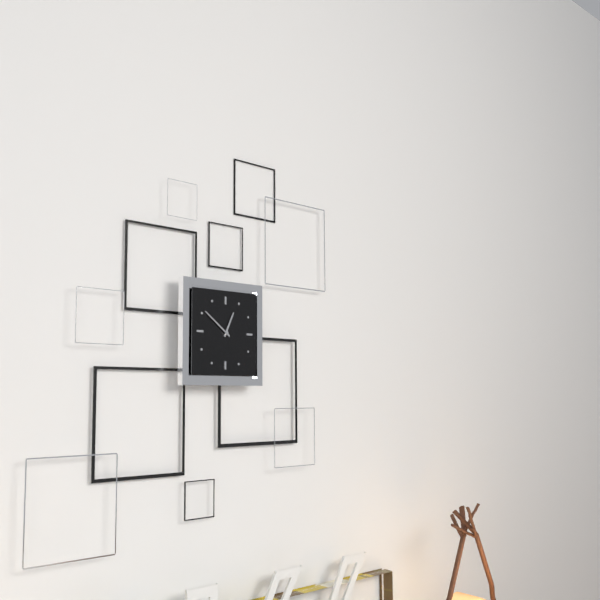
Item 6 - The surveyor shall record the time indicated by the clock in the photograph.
12:51
